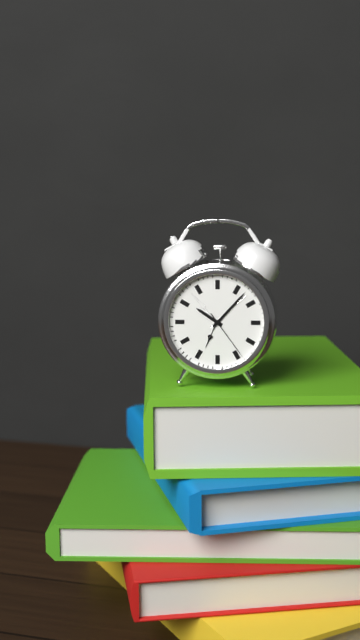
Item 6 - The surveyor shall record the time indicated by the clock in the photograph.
10:07:24
